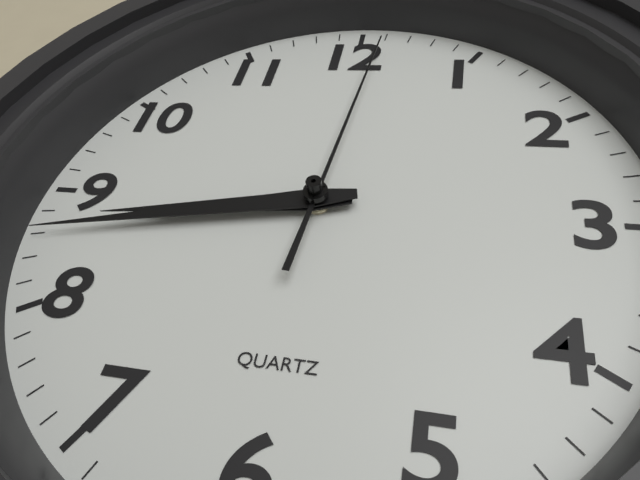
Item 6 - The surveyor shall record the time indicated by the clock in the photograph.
8:43:01
